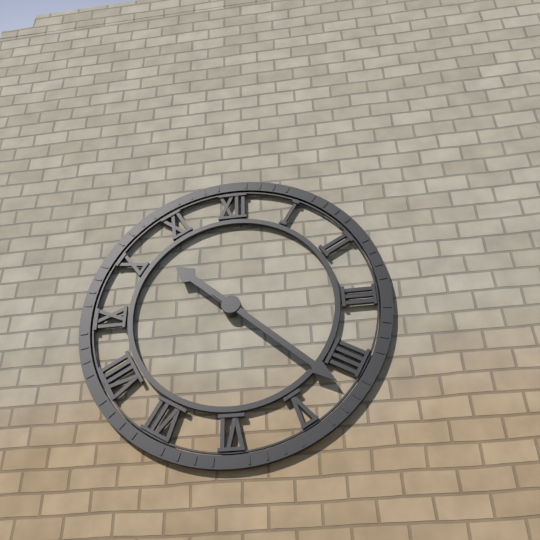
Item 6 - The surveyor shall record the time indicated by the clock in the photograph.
10:22
